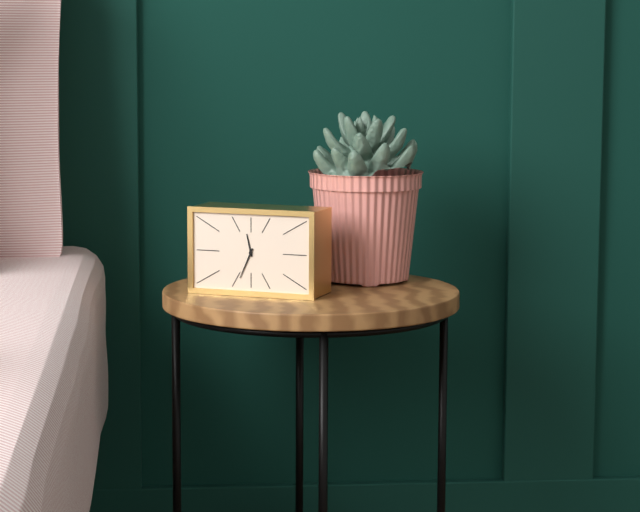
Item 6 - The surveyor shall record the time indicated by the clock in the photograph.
11:34
